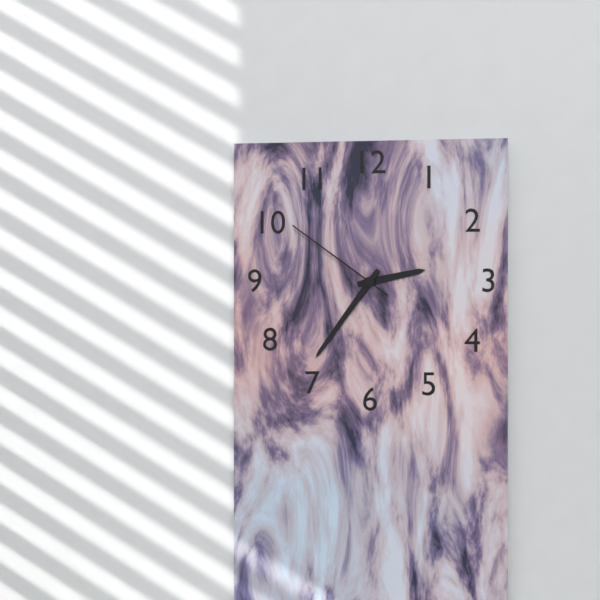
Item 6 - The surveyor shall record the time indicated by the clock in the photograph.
2:36:51
